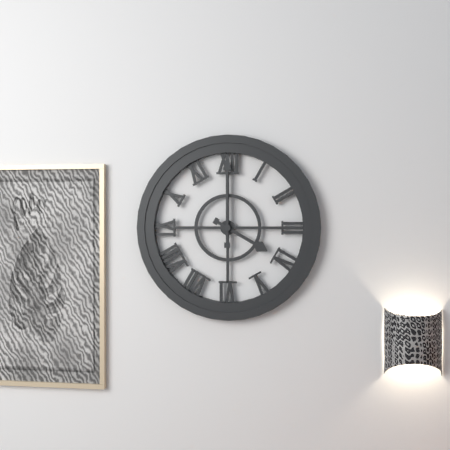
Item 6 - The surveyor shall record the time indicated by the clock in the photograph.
4:00
